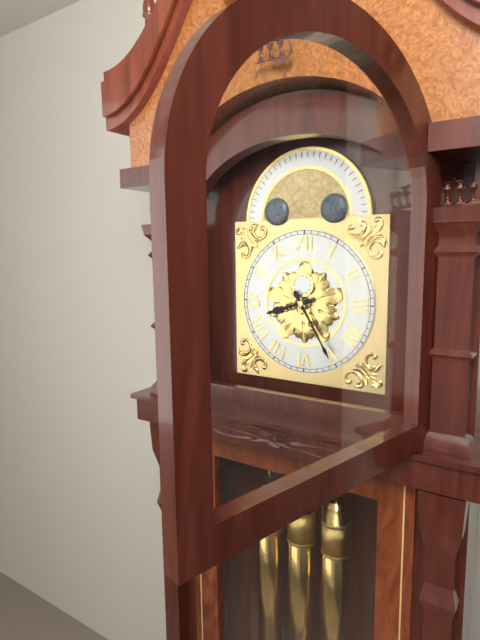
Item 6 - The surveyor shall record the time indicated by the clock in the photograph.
8:25
